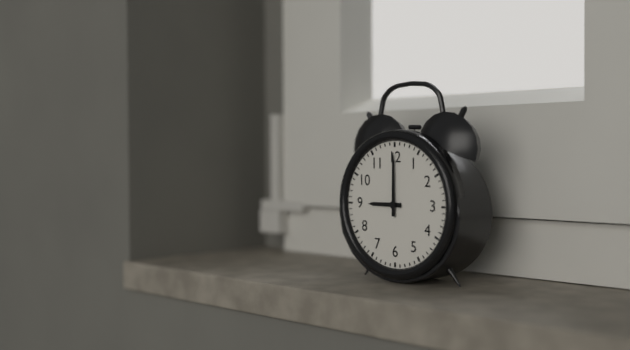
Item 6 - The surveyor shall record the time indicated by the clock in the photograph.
9:00
